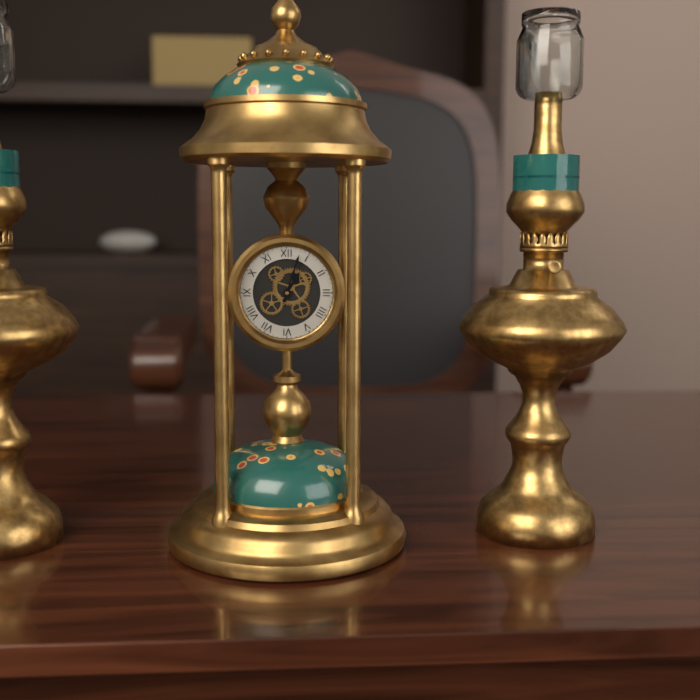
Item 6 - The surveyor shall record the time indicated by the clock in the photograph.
1:03
